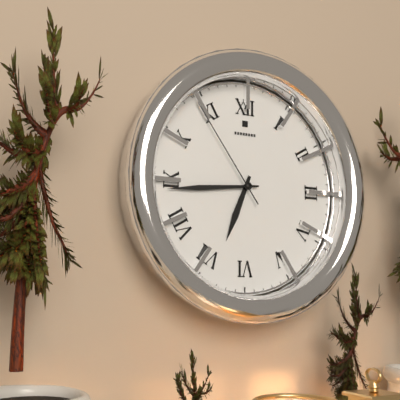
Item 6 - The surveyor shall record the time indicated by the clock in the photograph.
6:44:54
